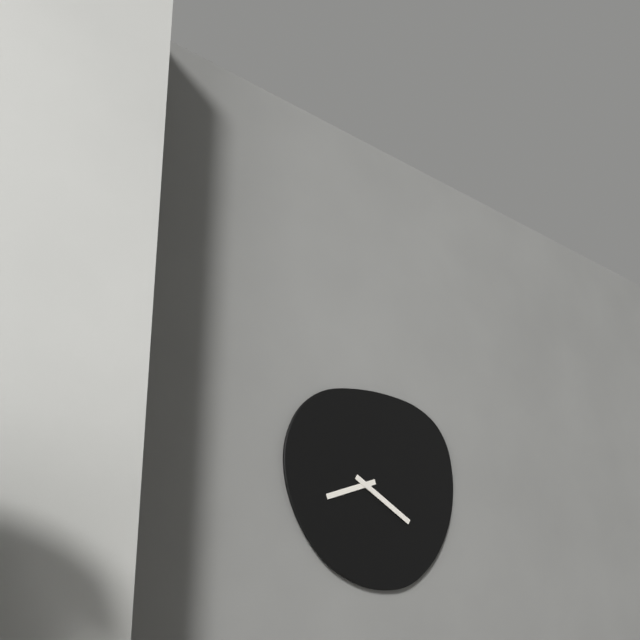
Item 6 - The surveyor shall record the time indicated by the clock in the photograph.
8:20
